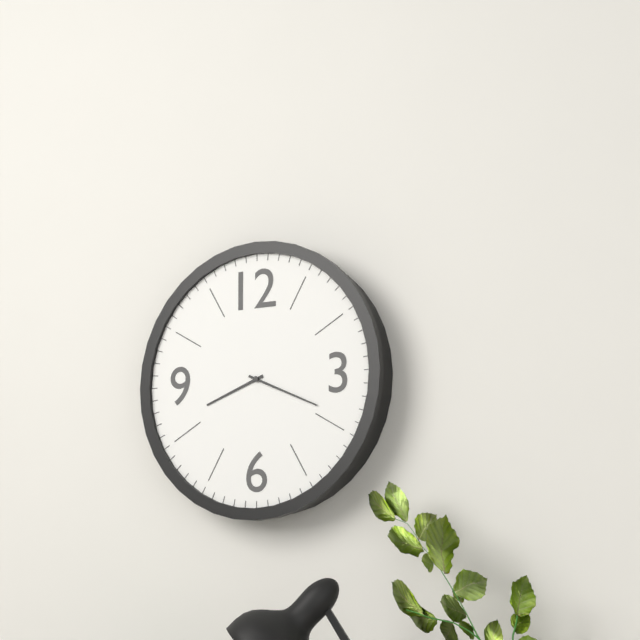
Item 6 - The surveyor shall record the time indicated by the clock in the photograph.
8:19
